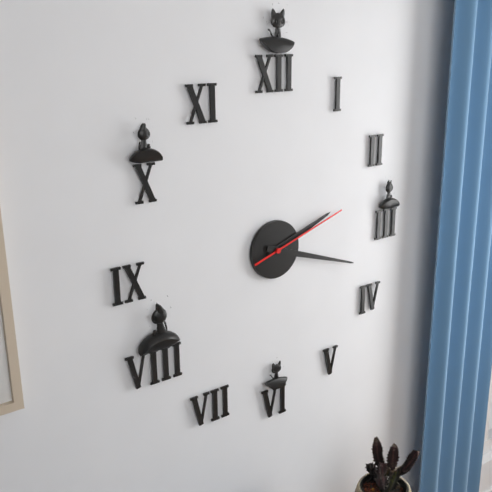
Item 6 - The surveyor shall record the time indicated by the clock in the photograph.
2:18:12
